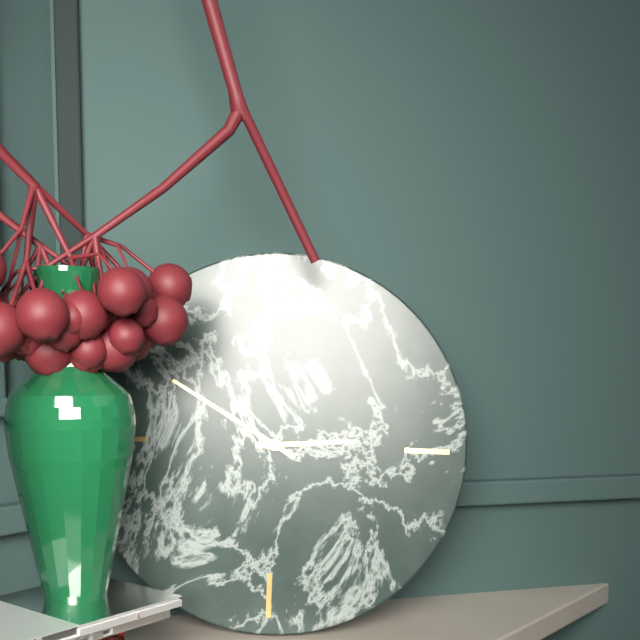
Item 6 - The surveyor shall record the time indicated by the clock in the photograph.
2:50
